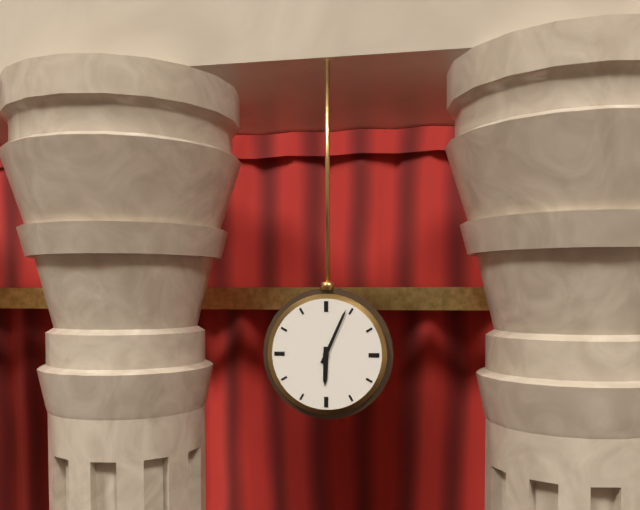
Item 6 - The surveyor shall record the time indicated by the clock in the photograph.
6:04
